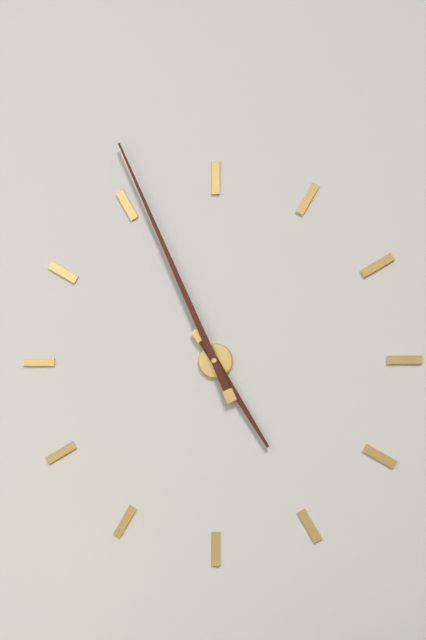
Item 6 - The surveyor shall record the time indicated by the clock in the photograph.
4:56
